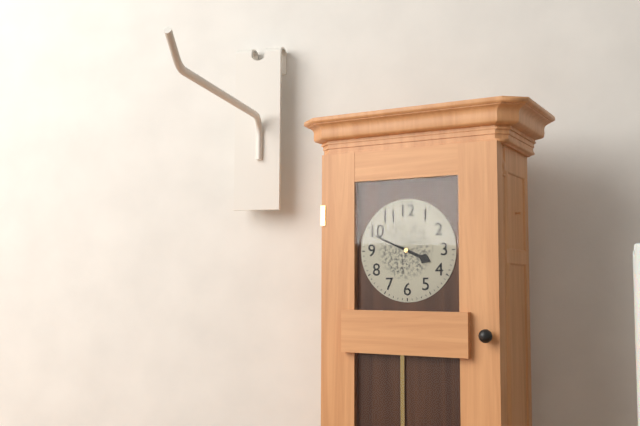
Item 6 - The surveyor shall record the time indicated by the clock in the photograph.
3:49
